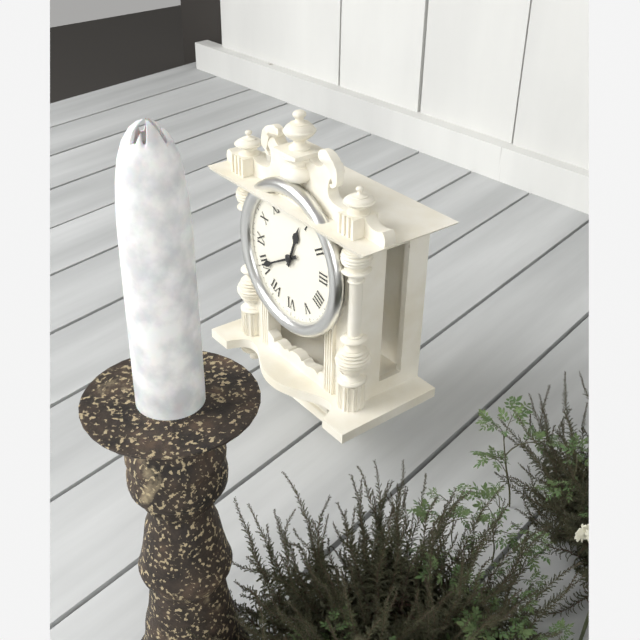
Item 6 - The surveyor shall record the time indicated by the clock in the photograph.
12:40
